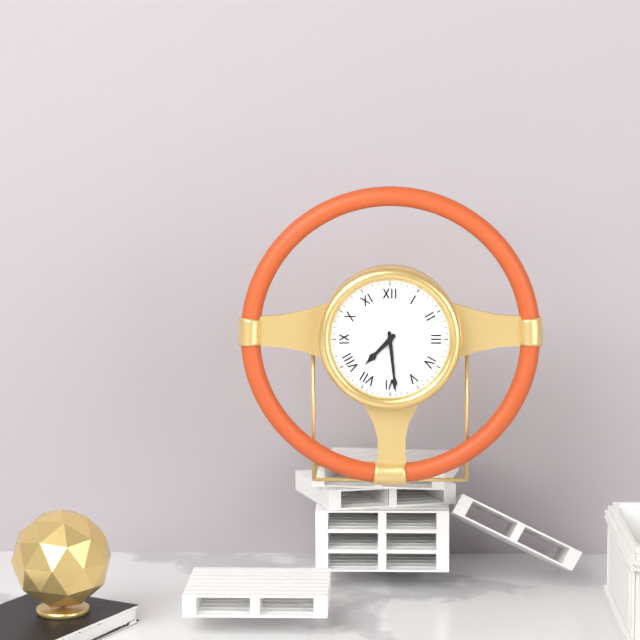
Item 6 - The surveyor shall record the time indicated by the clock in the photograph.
7:29
